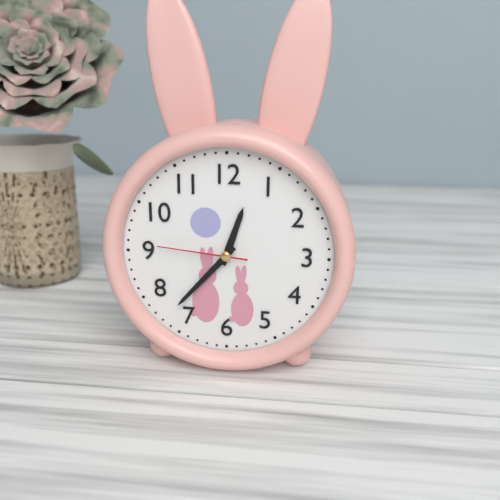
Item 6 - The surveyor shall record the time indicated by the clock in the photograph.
12:37:46
